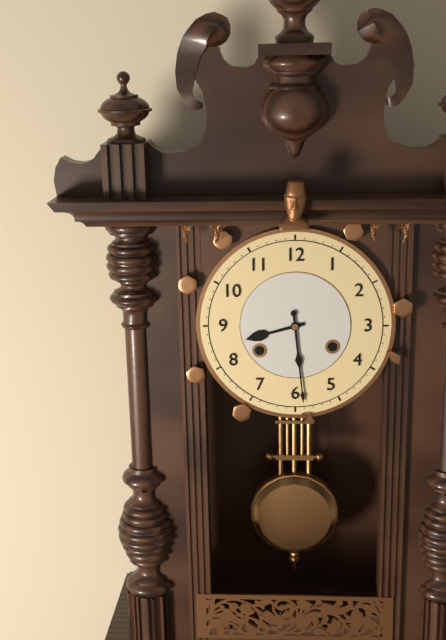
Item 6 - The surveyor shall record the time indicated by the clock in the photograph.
8:29
